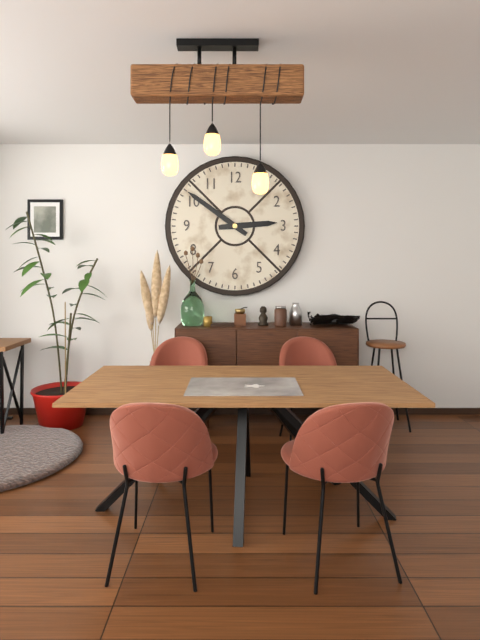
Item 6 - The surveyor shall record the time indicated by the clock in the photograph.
2:51
